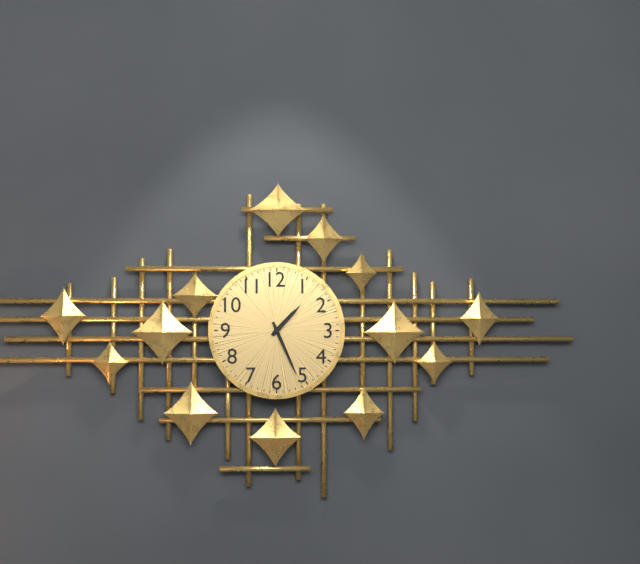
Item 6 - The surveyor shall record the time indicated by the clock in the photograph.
1:26
